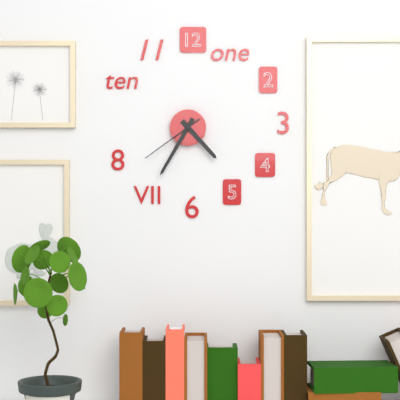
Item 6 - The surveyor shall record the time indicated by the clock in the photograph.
4:35:39
